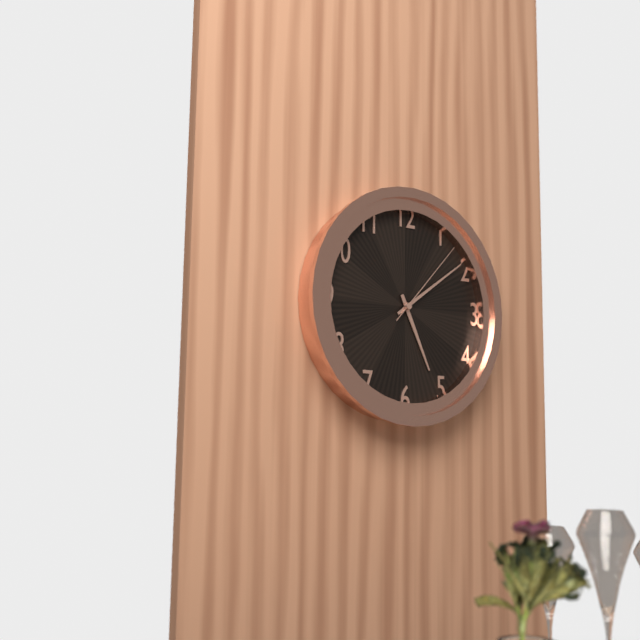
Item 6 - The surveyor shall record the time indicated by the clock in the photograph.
5:09:07
